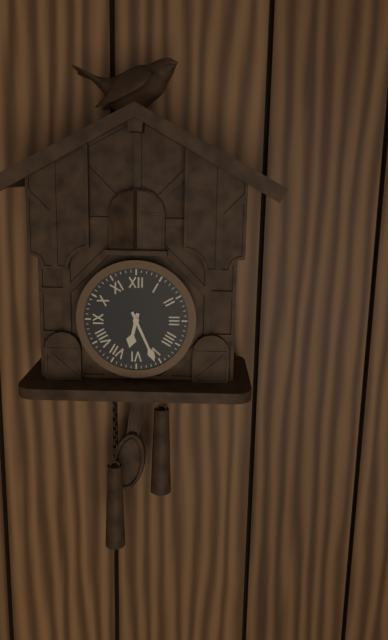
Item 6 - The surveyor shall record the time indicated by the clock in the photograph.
6:26
